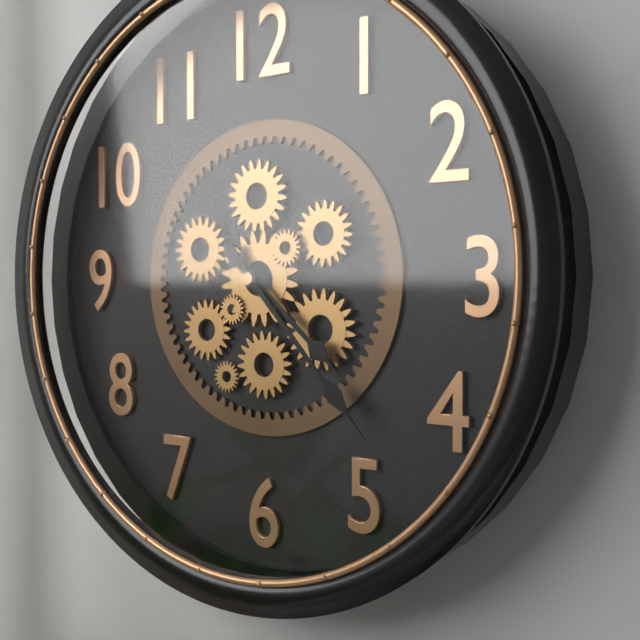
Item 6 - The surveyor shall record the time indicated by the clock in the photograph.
4:23
